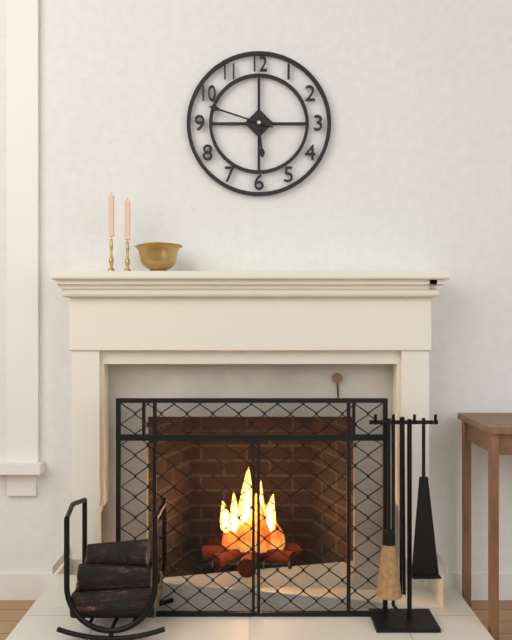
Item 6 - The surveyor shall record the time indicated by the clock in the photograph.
5:48
